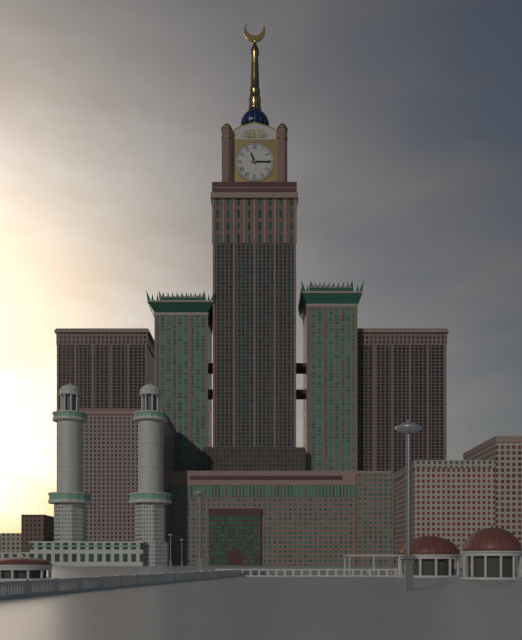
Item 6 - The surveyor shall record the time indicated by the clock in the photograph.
11:15
